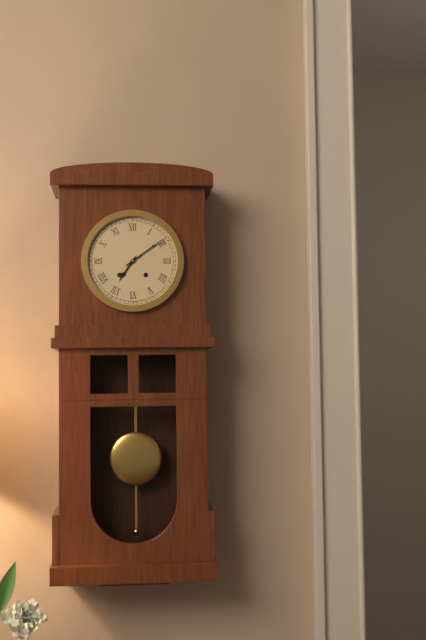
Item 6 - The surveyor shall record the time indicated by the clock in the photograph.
7:09
